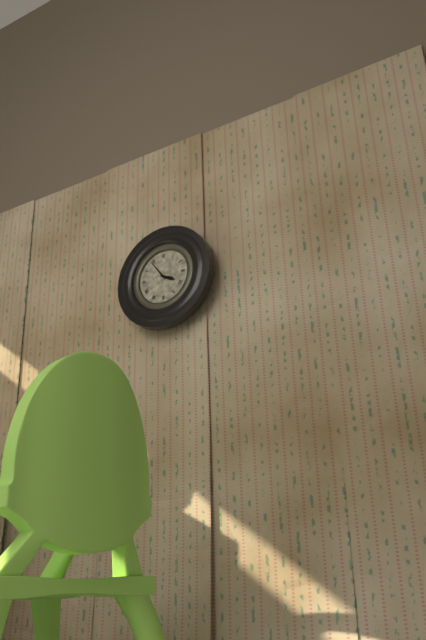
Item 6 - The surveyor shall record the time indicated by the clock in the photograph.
3:54
